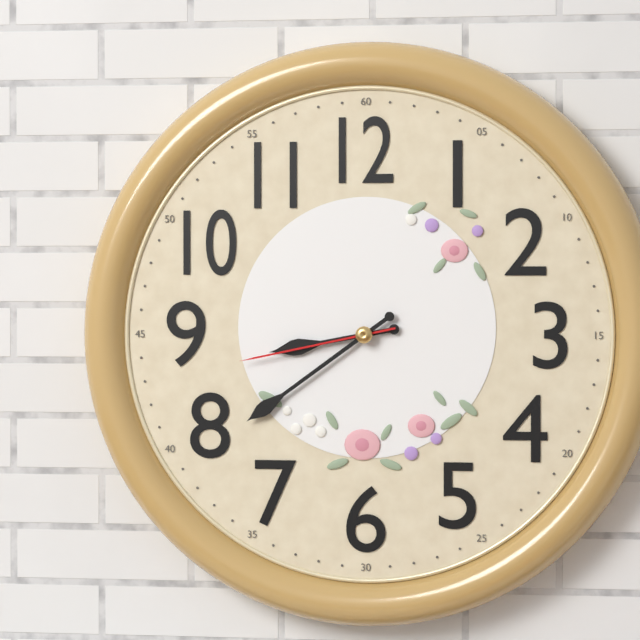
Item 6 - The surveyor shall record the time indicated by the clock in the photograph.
8:39:43
